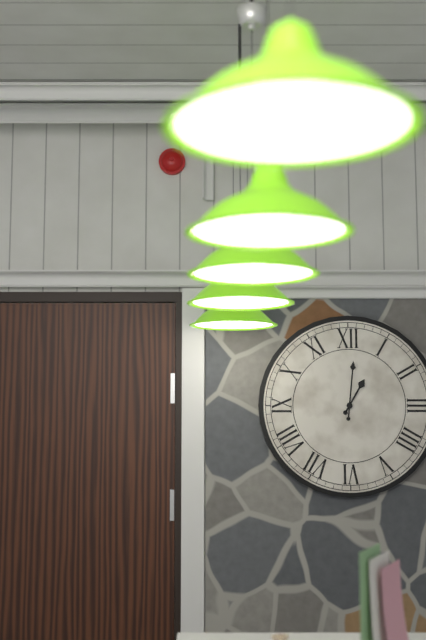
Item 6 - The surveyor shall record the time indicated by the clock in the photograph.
1:01
